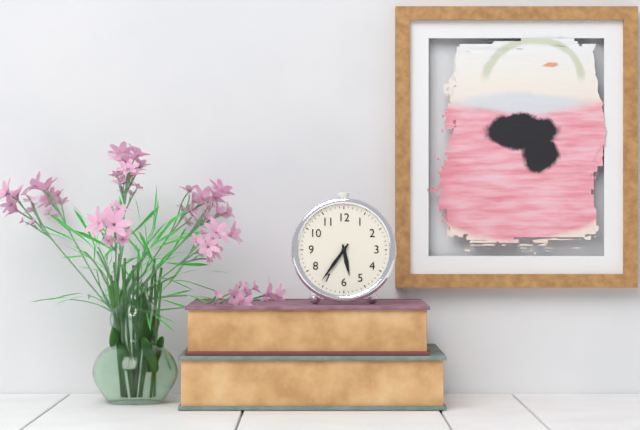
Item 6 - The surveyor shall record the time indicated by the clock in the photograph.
5:36
